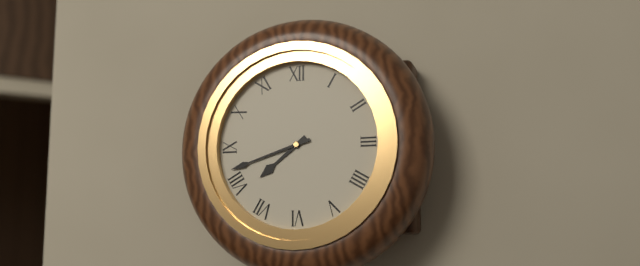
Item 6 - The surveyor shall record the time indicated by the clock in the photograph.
7:42
